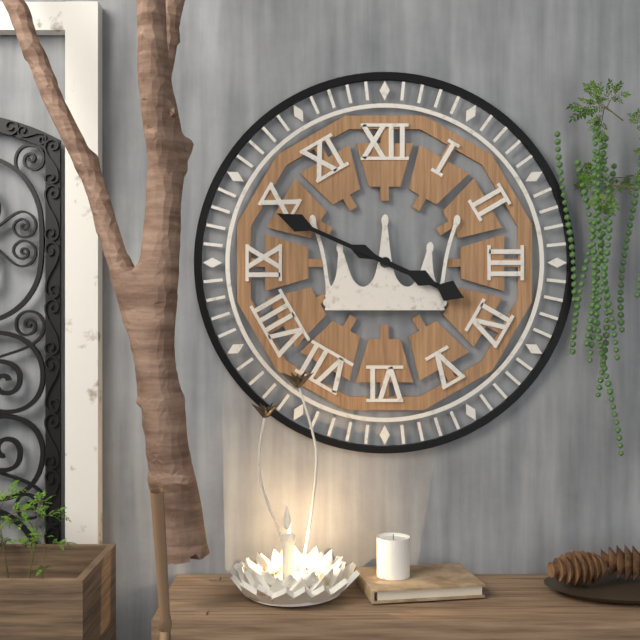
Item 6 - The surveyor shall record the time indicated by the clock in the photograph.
3:49
